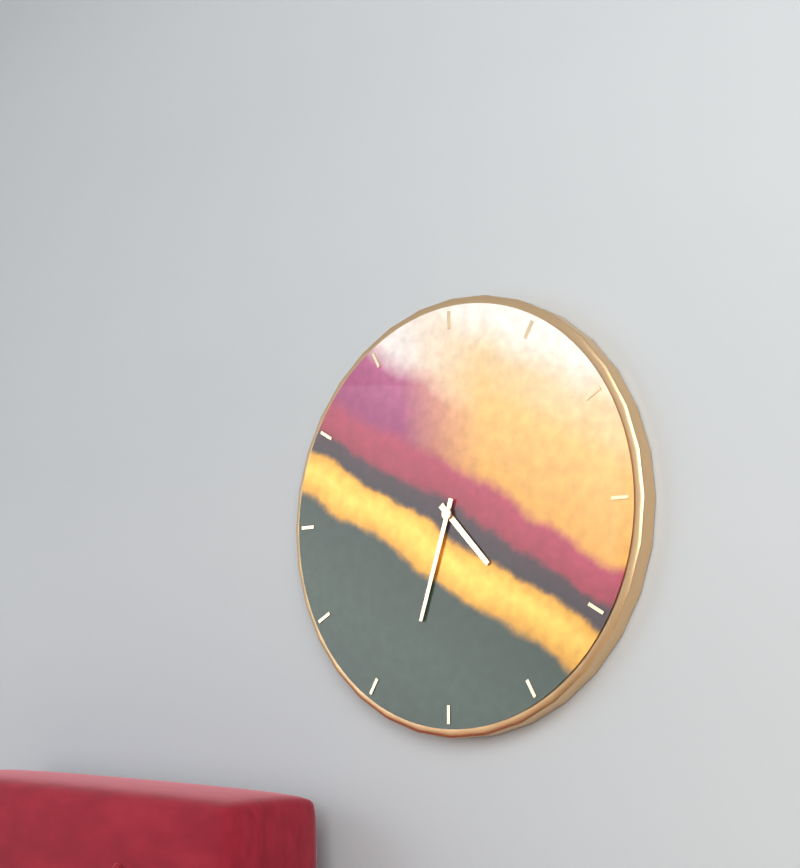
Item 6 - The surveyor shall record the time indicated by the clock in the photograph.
4:33
